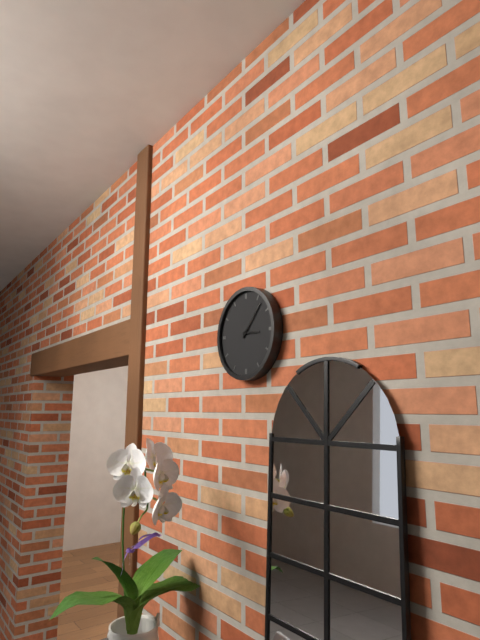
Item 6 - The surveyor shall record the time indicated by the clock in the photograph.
3:07
